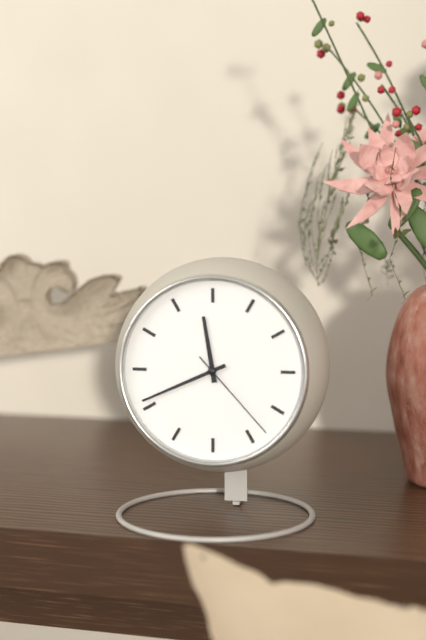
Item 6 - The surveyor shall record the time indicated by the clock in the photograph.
11:41:23
